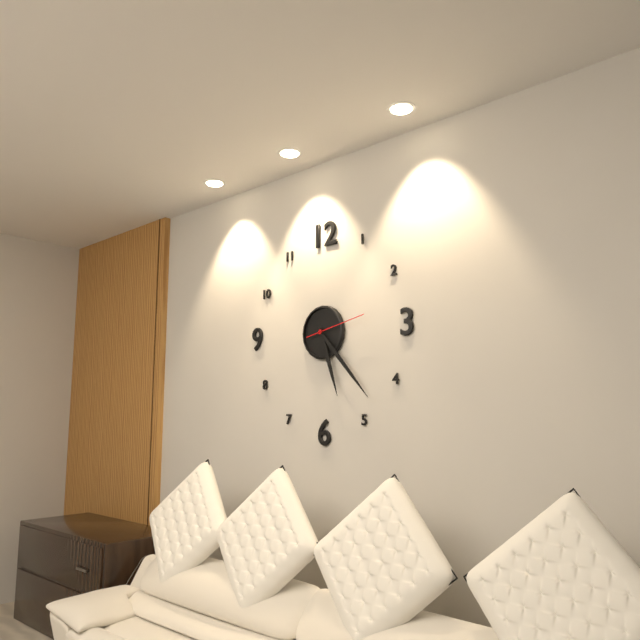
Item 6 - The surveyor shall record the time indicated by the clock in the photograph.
5:23:13
